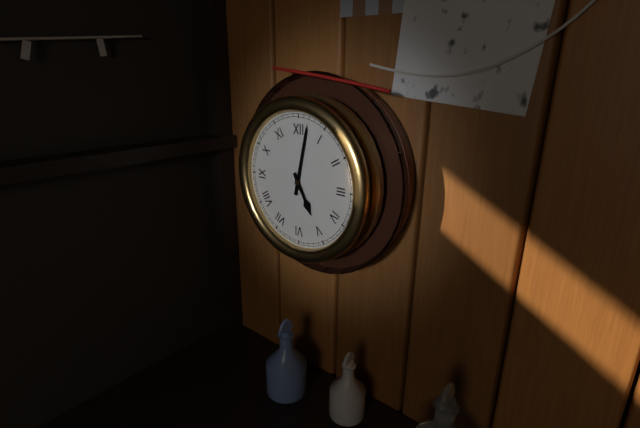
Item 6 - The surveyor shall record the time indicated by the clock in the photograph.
5:02
